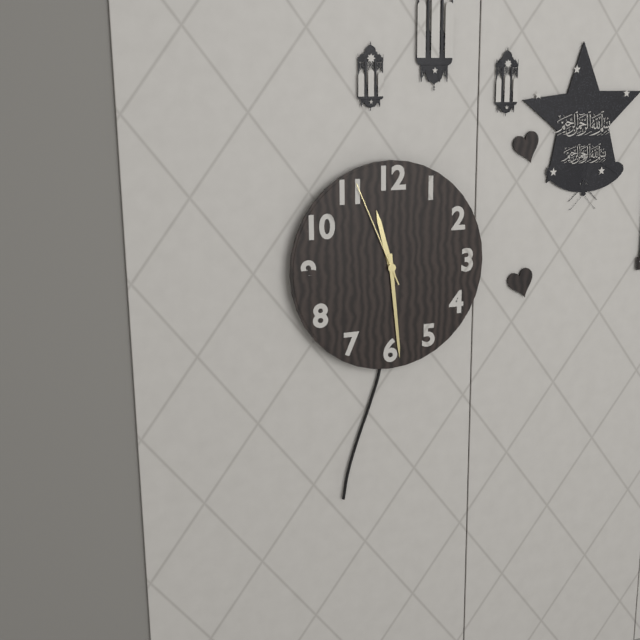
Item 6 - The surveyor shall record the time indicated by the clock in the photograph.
11:29:56
